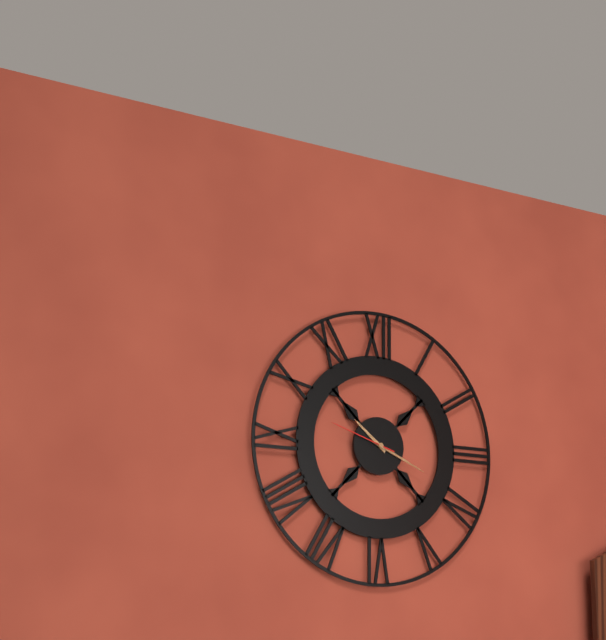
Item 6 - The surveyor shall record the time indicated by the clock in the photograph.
10:19:48
